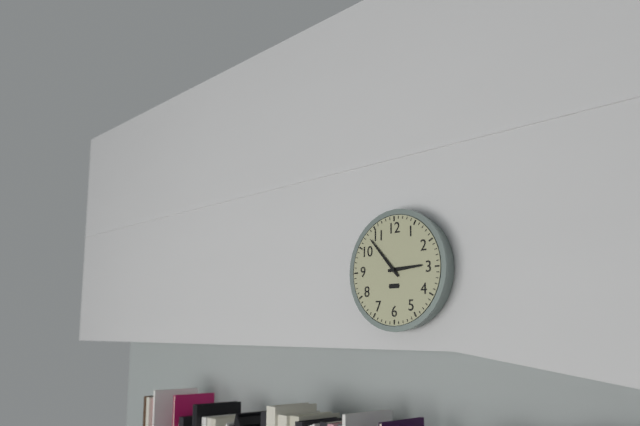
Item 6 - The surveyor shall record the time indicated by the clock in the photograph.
2:53
